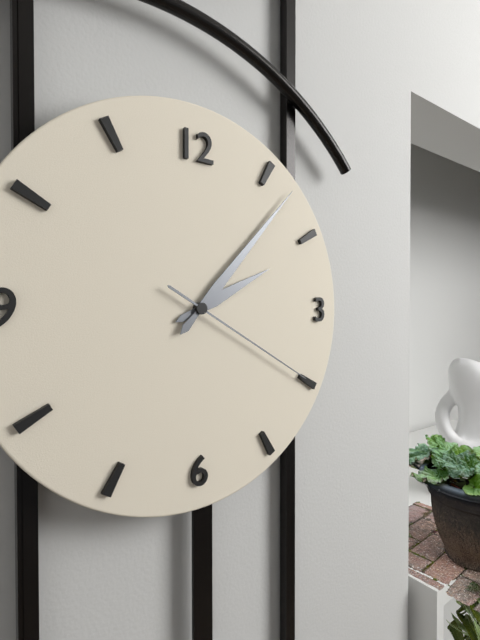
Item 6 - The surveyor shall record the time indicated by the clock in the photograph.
2:07:20
